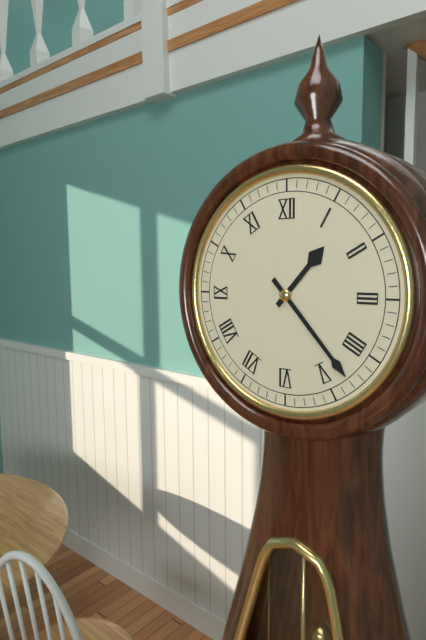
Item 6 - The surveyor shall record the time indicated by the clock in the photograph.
1:23
